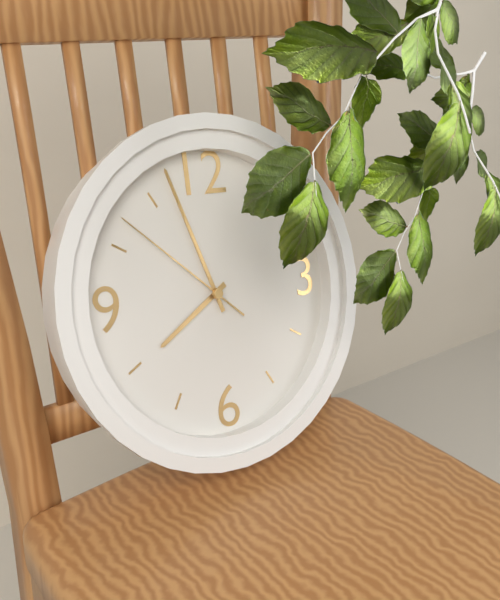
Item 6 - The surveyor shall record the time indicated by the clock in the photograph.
7:57:52
